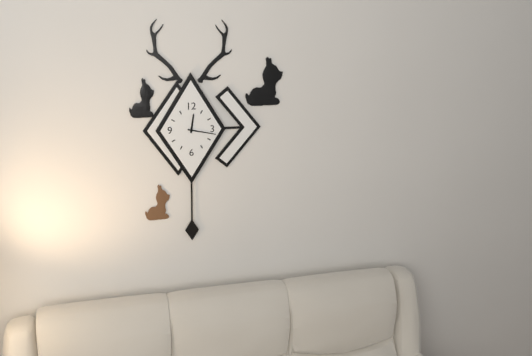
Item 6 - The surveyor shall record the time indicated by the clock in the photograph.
12:17
